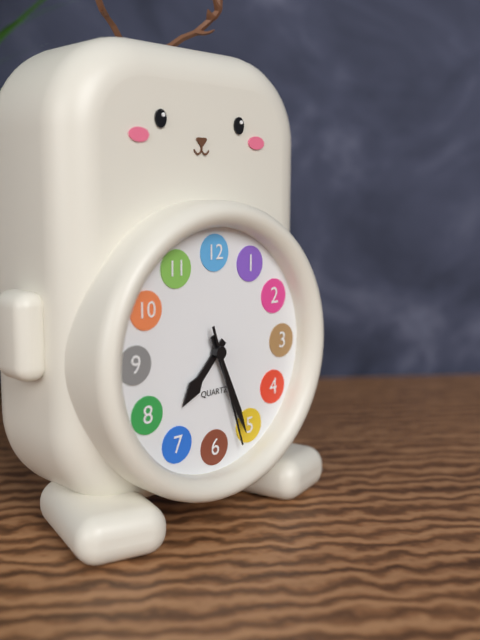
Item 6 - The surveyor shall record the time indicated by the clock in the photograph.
7:26:27
